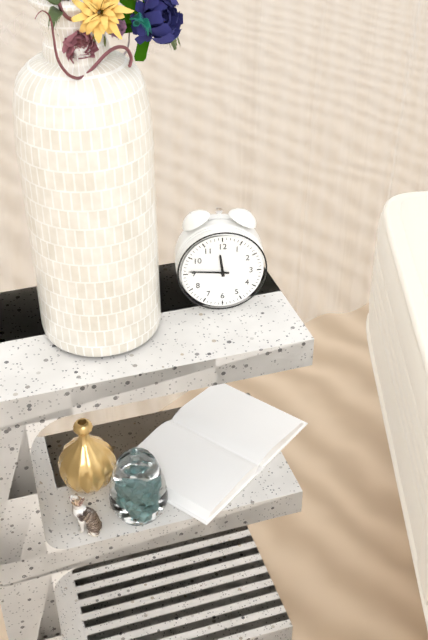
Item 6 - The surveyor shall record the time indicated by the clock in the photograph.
11:46
